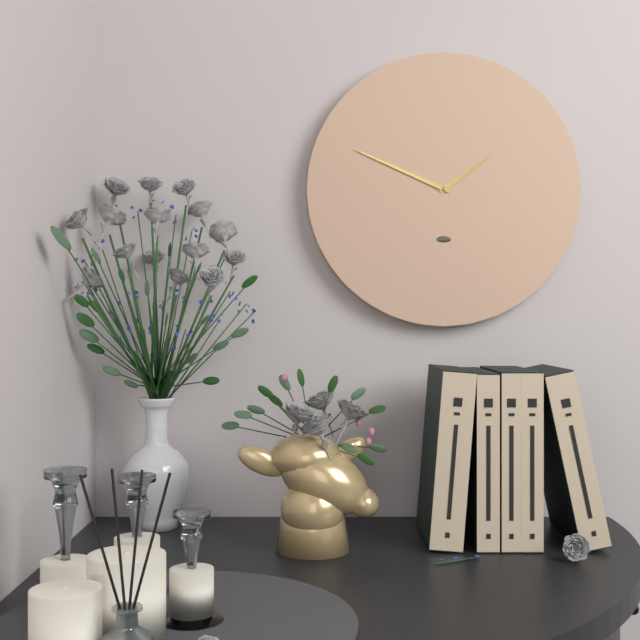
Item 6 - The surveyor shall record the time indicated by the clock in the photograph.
1:49
